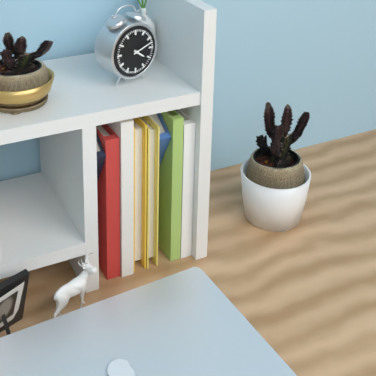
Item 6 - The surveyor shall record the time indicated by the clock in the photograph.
4:12
